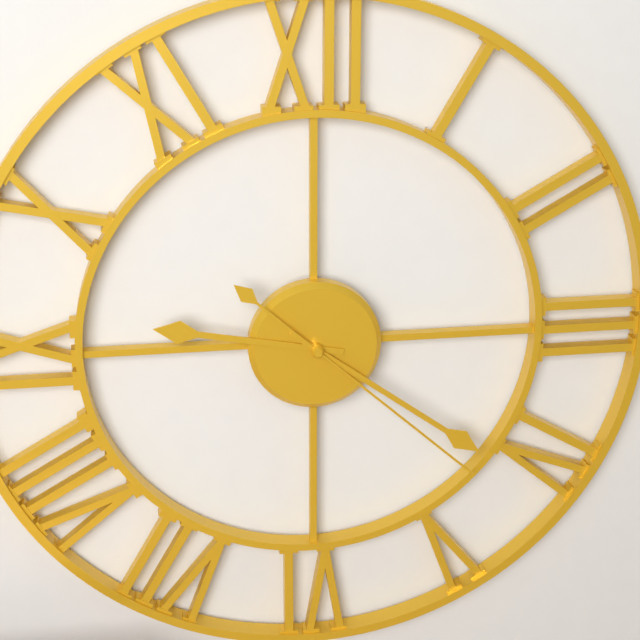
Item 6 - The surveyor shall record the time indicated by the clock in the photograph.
9:21:22
